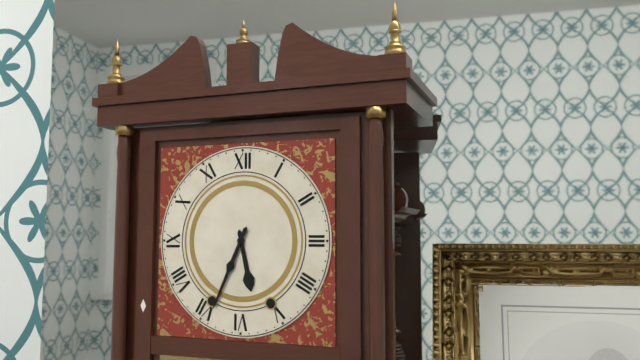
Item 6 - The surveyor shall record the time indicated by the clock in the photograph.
5:34
